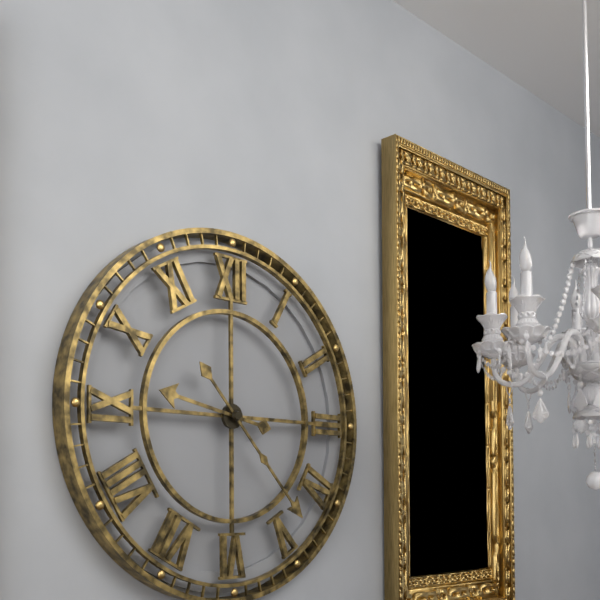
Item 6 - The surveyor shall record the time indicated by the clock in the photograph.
9:23
